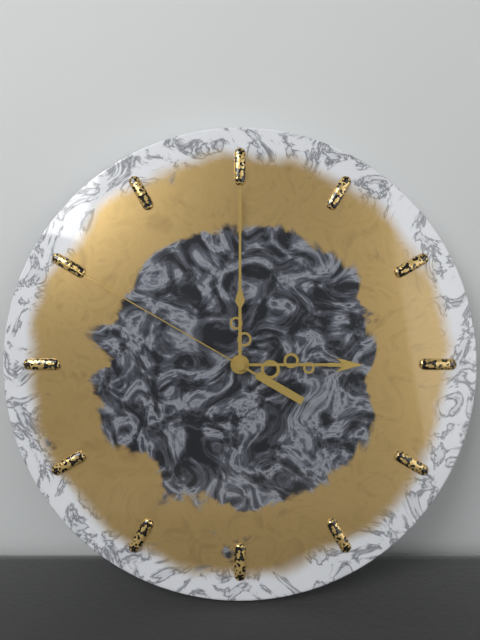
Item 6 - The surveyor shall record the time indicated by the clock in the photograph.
3:00:50
